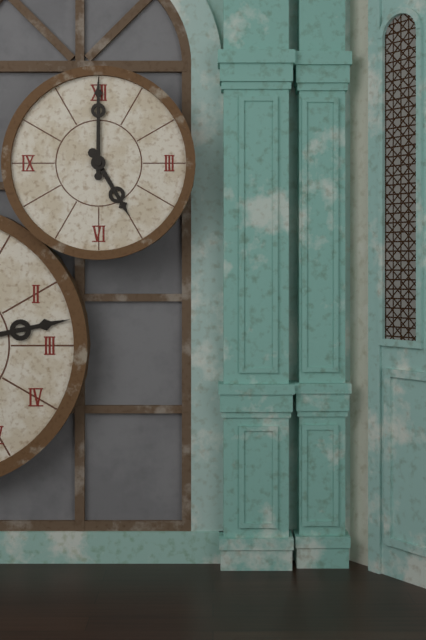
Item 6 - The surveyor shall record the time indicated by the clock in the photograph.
5:00
